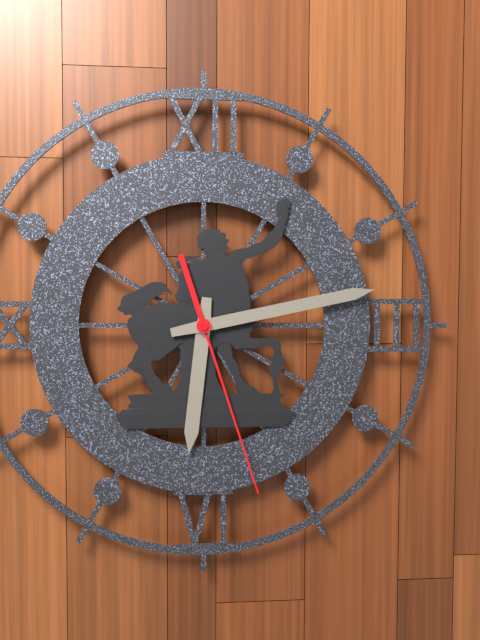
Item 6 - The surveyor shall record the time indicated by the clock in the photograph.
6:13:27
